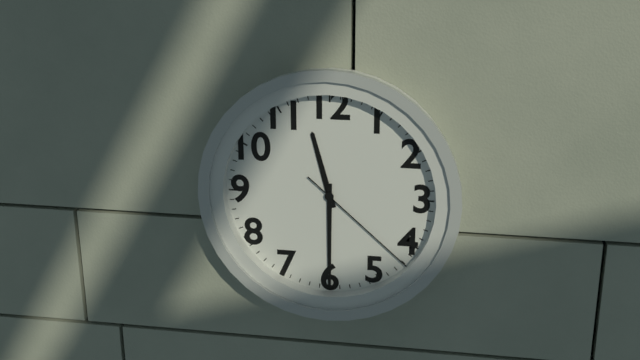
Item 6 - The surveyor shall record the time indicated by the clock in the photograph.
11:30:22
